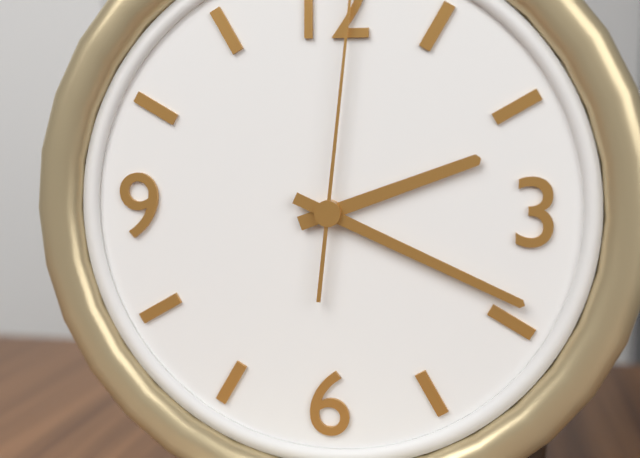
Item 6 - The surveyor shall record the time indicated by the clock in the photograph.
2:19
